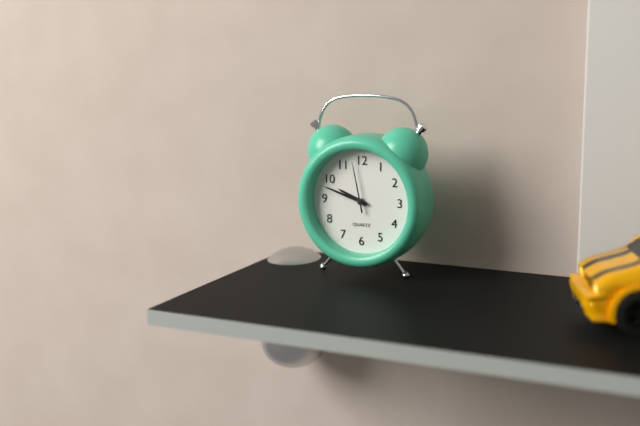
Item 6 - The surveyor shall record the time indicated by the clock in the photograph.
9:48:58
